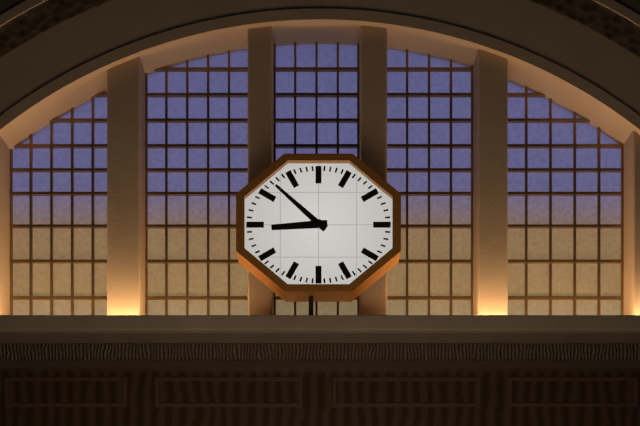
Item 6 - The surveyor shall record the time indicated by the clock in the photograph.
8:52
